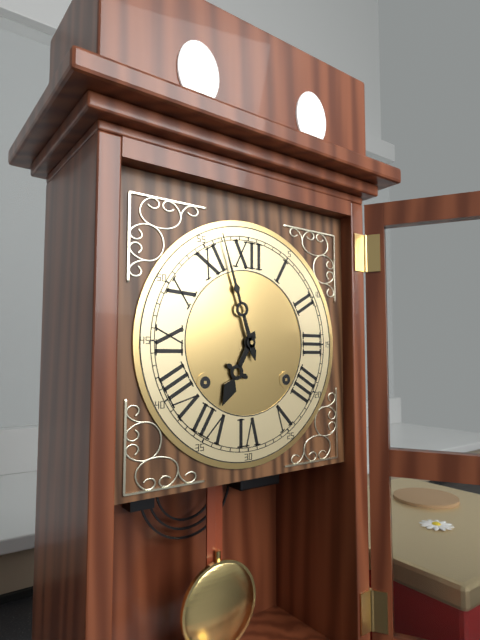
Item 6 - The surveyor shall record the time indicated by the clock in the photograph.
6:57
